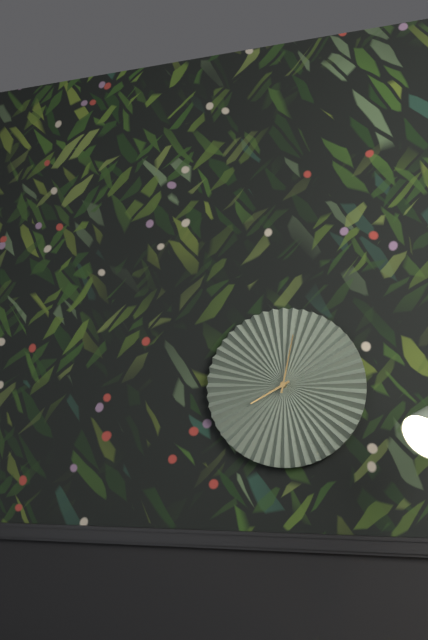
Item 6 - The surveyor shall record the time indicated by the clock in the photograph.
8:02
